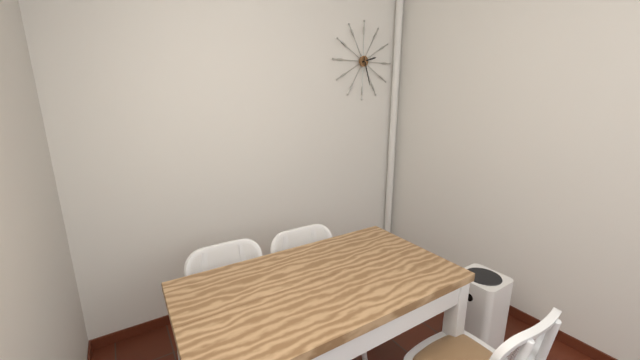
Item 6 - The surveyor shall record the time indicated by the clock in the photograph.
2:27
